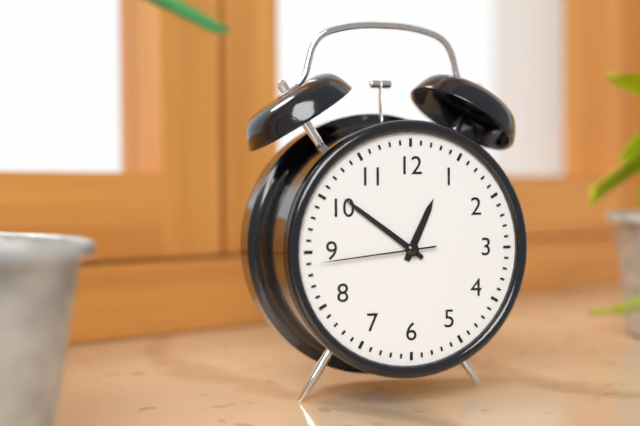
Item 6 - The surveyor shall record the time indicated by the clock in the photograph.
12:51:44
